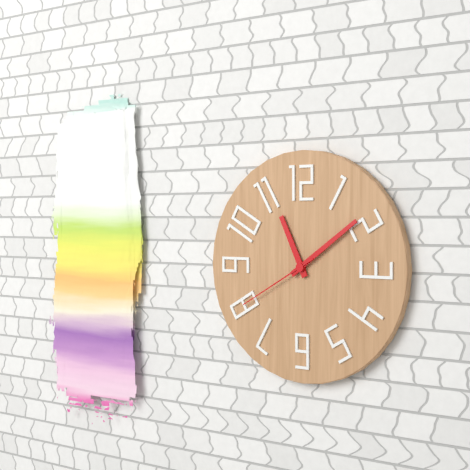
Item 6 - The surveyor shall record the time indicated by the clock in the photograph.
11:09:40
